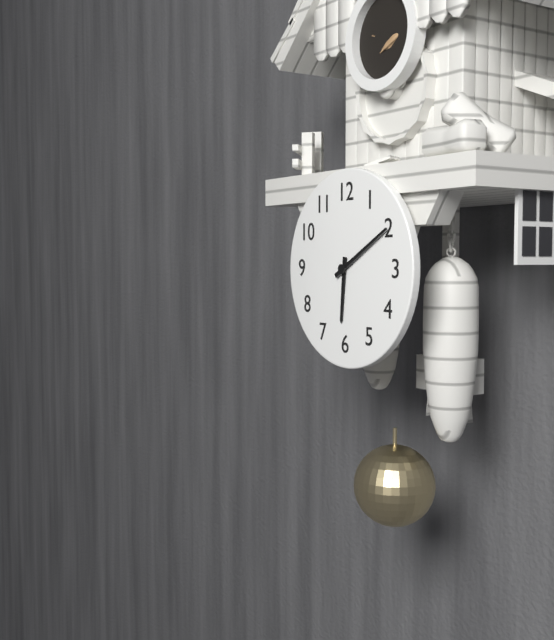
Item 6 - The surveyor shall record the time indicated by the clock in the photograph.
6:10
